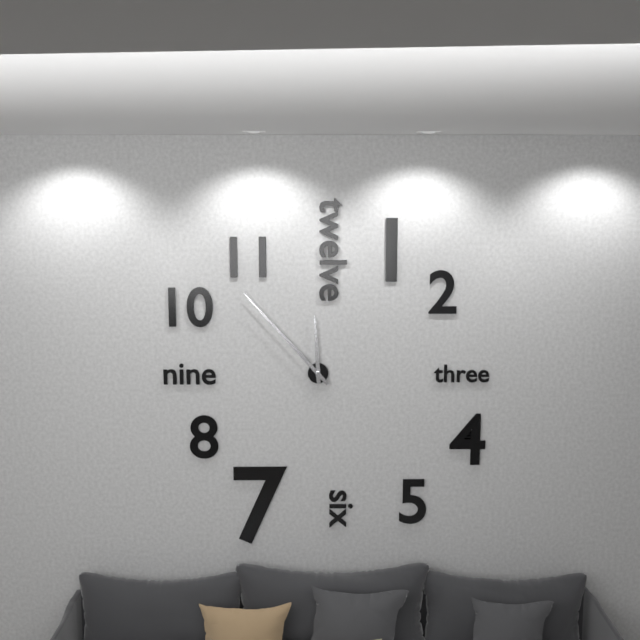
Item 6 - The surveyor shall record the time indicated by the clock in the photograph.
11:53
